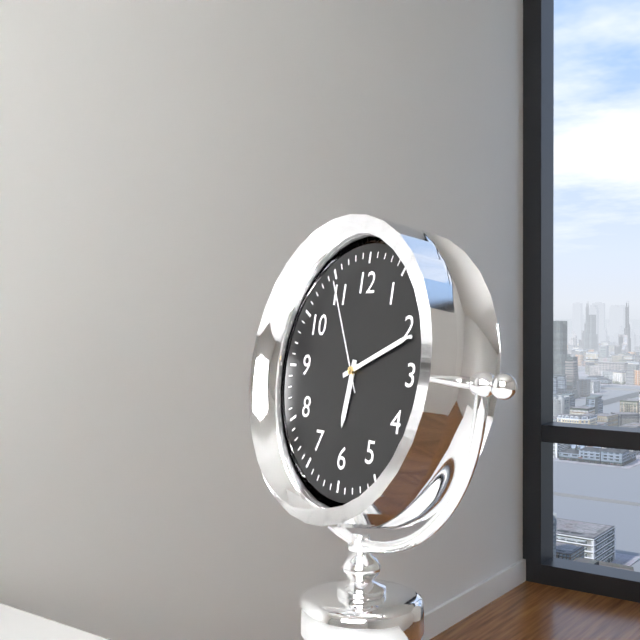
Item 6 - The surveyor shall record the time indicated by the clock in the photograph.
6:11:55
